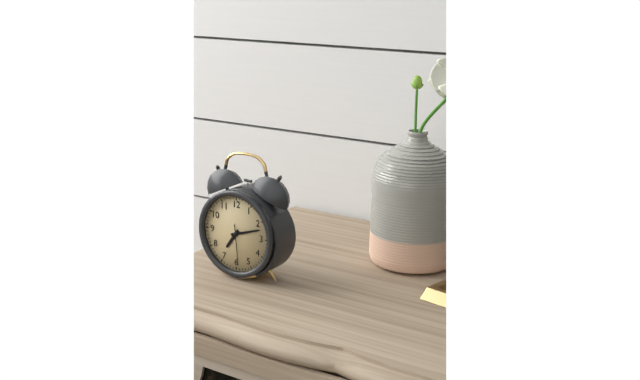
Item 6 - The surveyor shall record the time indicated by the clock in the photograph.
7:12
